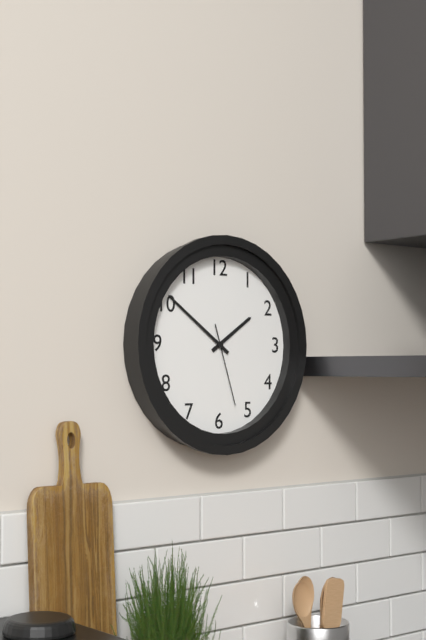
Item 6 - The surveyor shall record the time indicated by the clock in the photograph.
1:51:27
